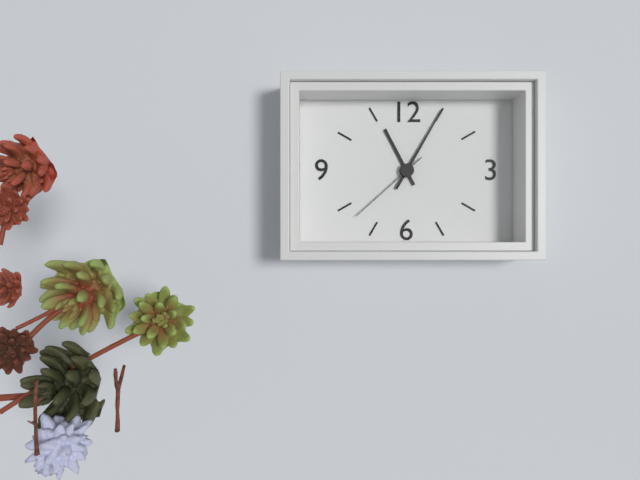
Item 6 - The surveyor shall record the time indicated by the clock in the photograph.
11:05:38
